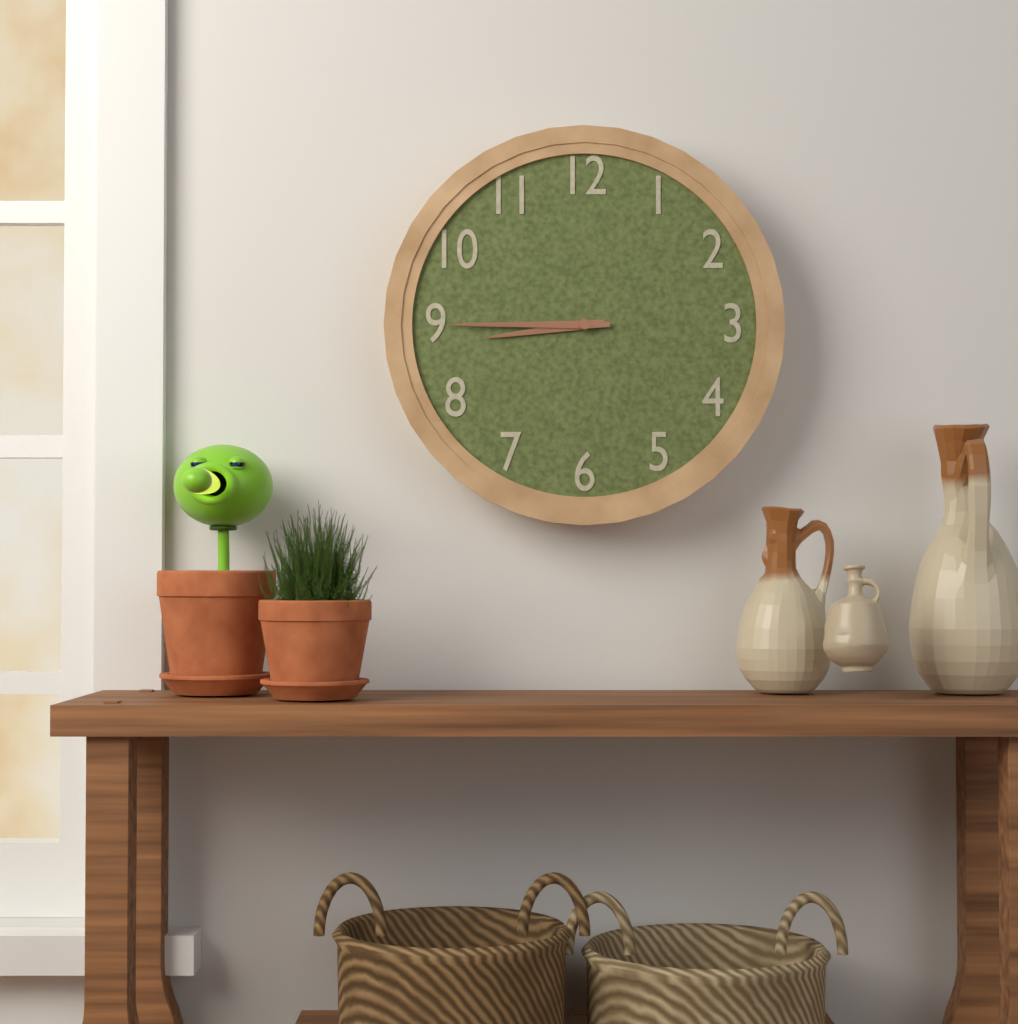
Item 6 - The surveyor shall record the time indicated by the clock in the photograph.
8:45
